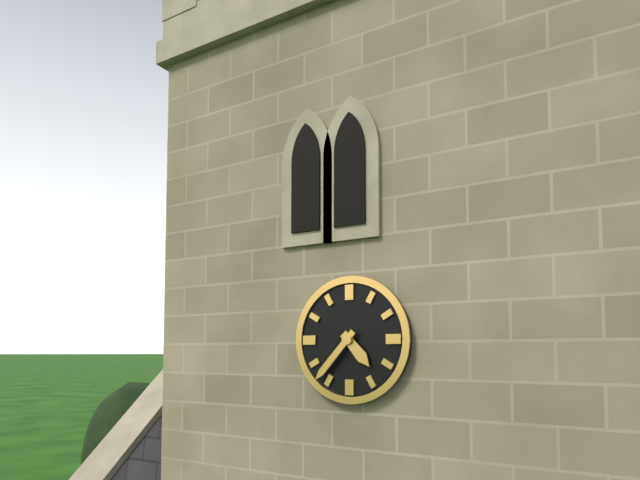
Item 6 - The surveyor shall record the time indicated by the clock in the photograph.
4:37
